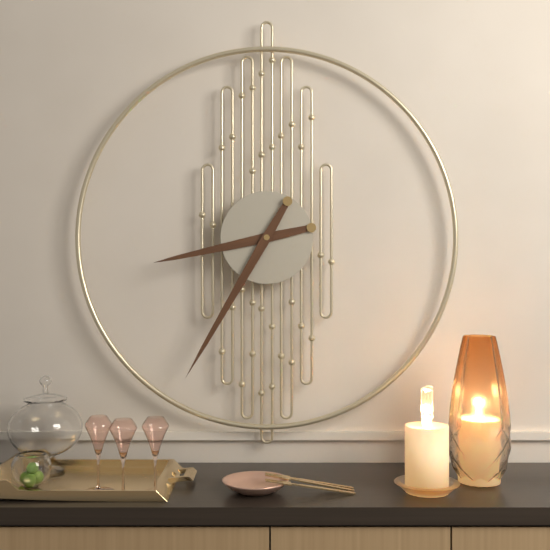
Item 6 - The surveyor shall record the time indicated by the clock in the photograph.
8:35
